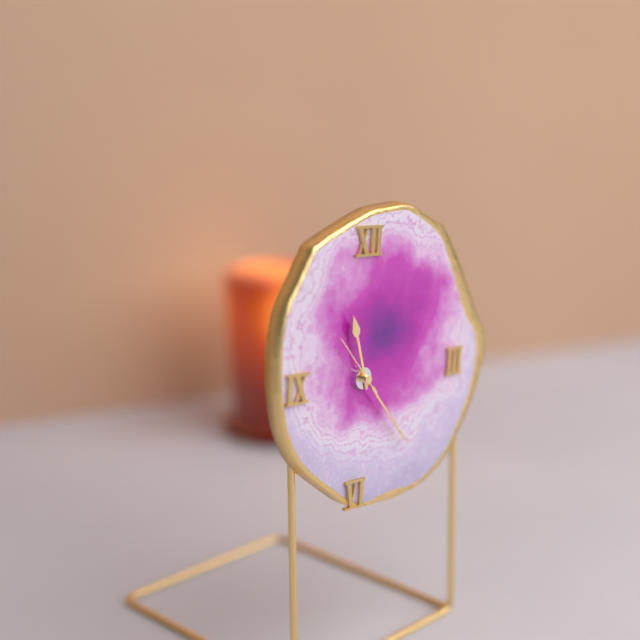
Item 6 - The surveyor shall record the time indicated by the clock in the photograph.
11:23:53
